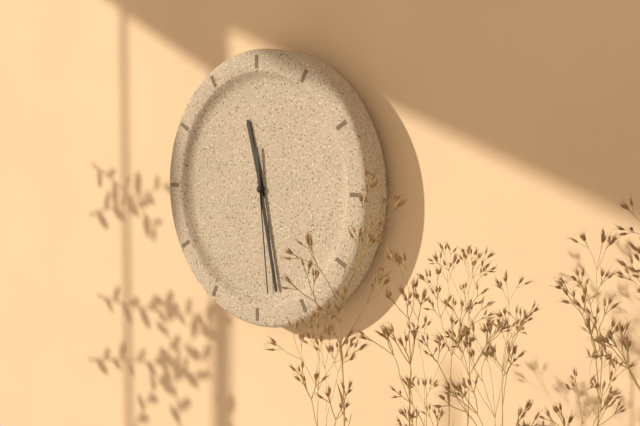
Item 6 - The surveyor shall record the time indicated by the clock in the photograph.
11:28:29
